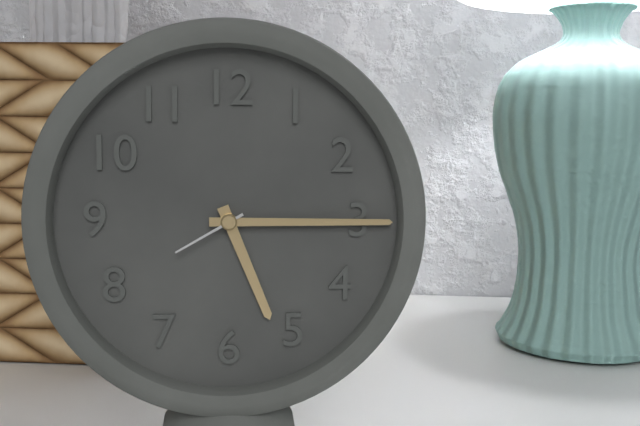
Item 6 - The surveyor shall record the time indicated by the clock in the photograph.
5:15:40
